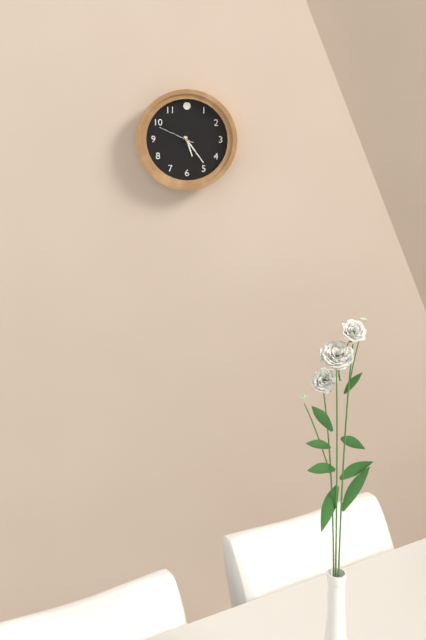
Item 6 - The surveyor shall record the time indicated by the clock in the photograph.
5:24
